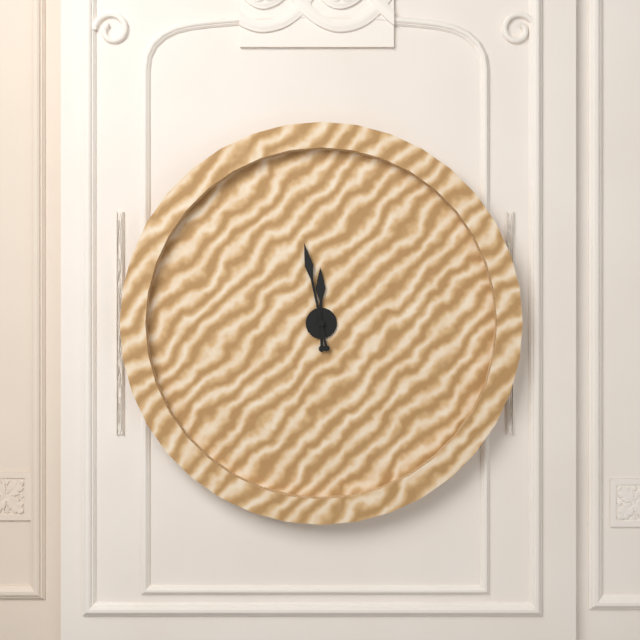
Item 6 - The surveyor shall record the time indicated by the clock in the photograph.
11:58
